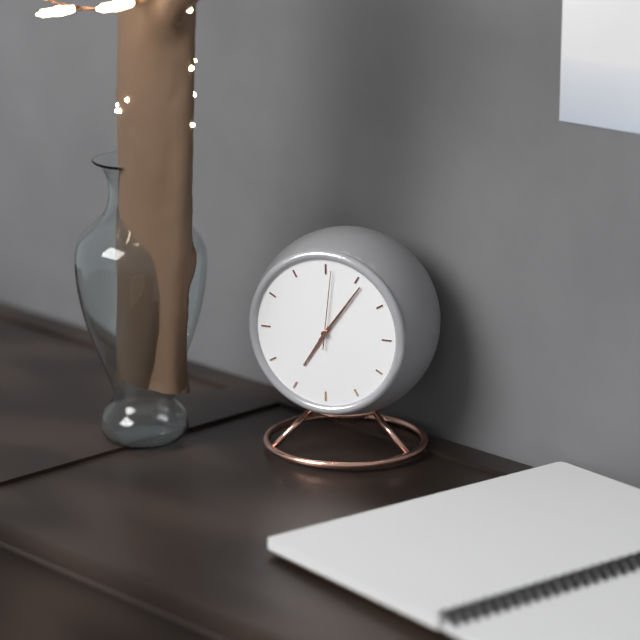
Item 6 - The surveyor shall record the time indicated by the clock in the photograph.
7:06:01
